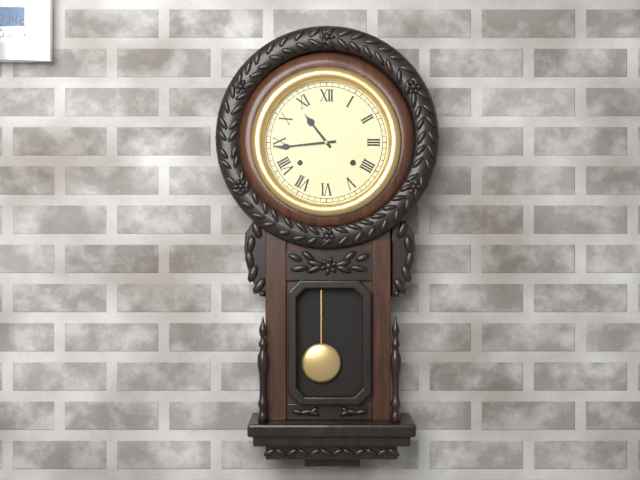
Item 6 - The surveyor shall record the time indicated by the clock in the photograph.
10:44
